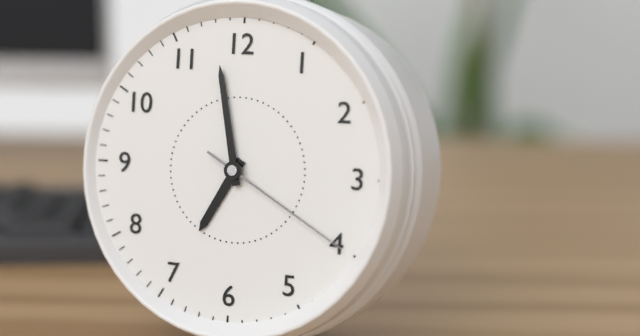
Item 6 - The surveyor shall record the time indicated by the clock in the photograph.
6:58:20
